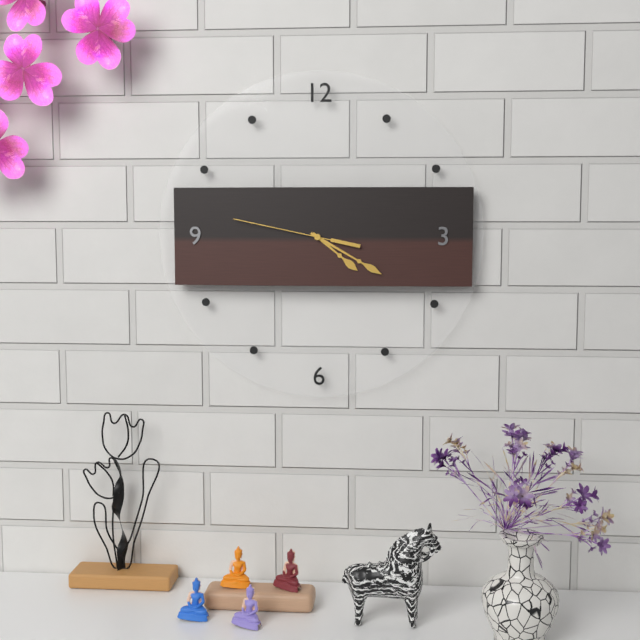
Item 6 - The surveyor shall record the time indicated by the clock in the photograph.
4:20:47
